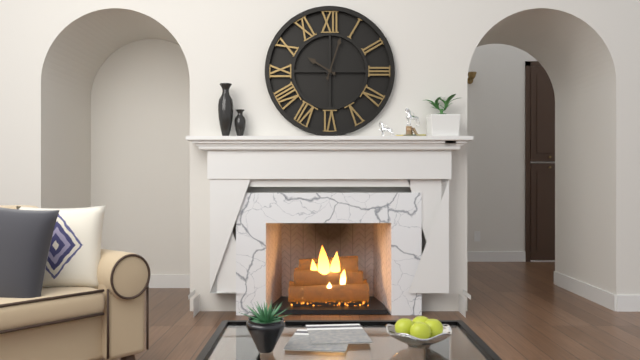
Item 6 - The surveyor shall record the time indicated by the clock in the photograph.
10:03
